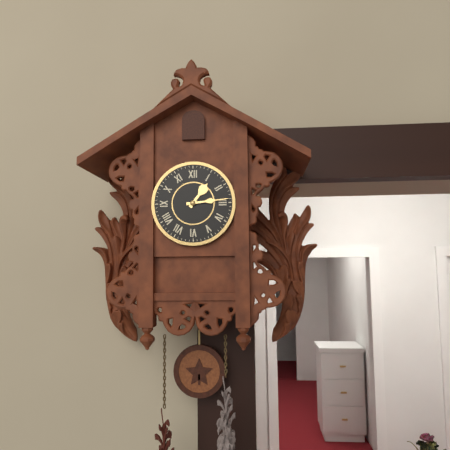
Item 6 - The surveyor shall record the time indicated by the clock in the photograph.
1:14
